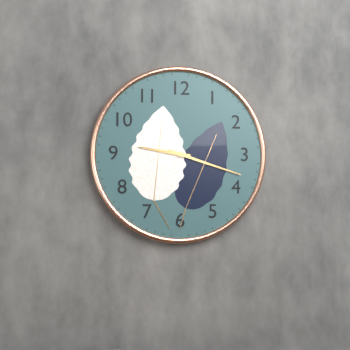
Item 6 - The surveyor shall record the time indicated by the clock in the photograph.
9:18
